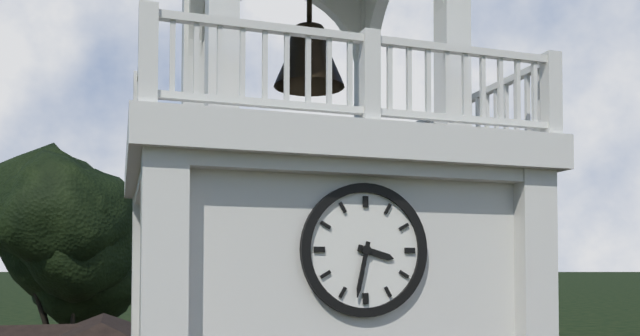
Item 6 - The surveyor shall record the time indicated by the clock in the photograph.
3:32
